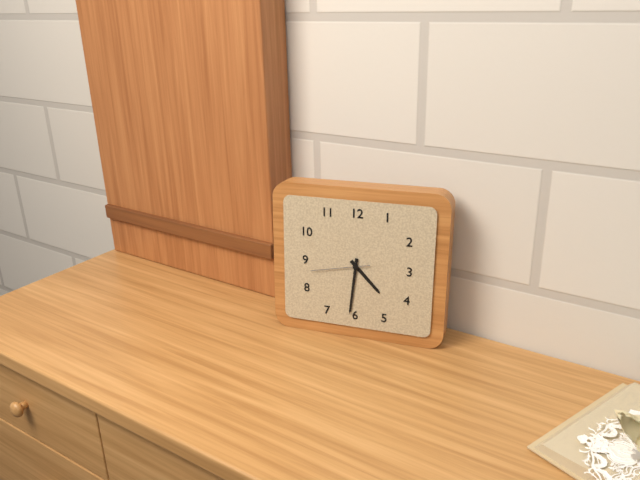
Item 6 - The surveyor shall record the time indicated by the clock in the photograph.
4:31:43
